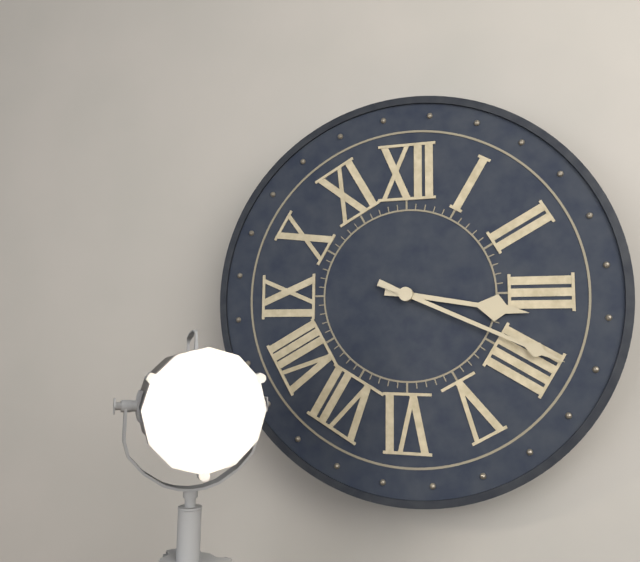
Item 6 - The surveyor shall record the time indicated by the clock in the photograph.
3:19
